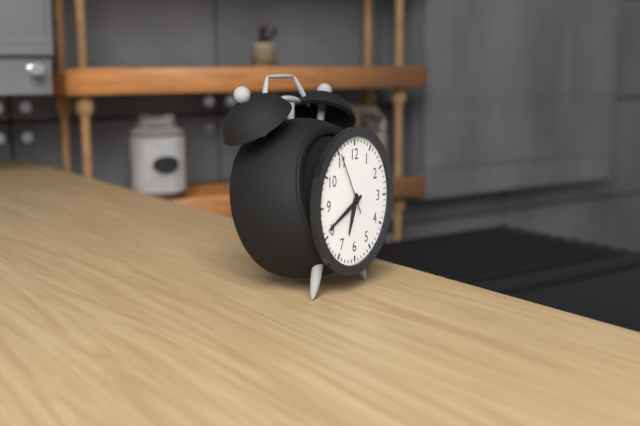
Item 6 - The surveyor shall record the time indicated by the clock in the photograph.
6:41:55
